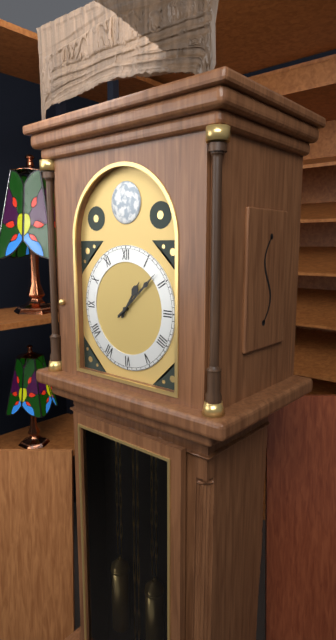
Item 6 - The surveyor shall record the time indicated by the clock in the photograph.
1:08
